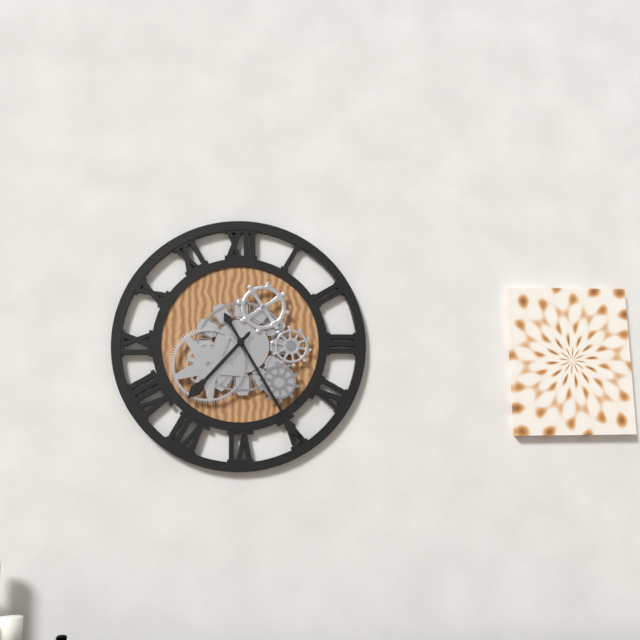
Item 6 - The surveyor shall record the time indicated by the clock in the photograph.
7:25
